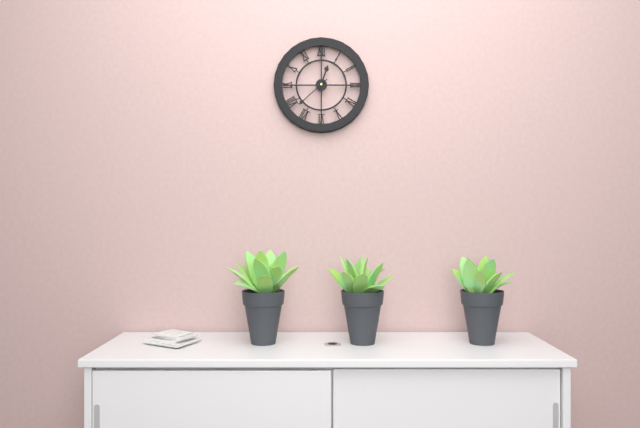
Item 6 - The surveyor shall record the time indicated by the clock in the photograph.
12:38
